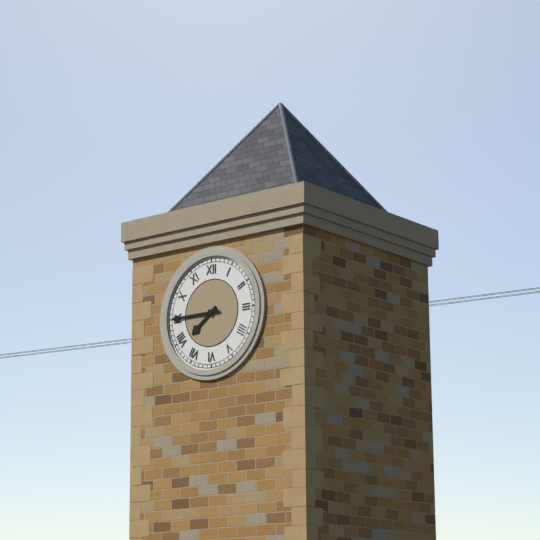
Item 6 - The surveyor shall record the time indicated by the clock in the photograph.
7:45
